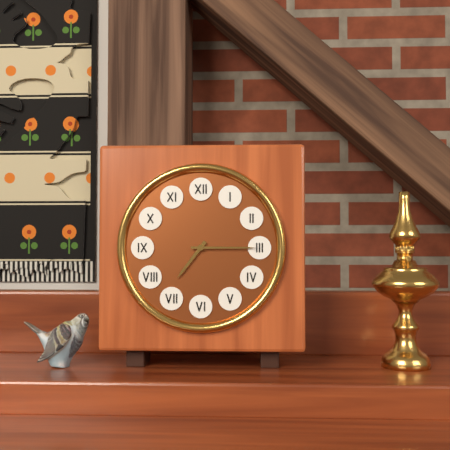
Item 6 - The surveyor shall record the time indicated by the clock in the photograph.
7:15
